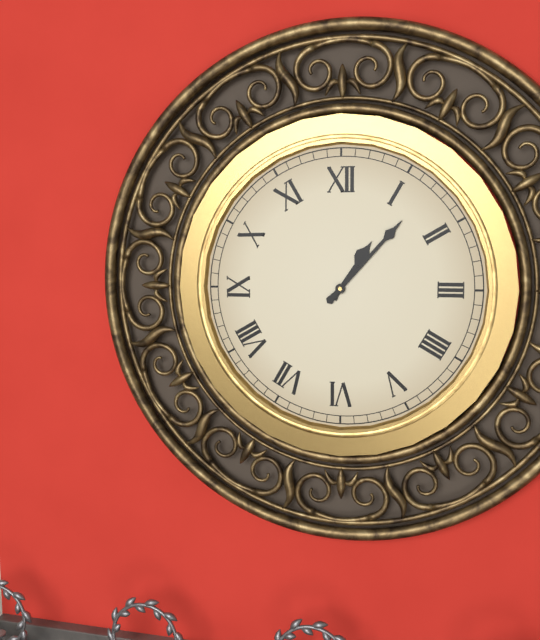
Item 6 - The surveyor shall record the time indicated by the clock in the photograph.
1:07
